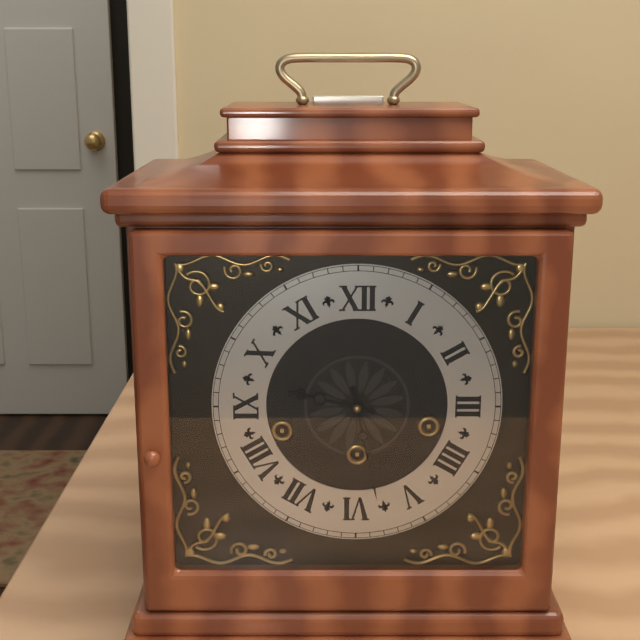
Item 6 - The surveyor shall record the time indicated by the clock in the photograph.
9:28
